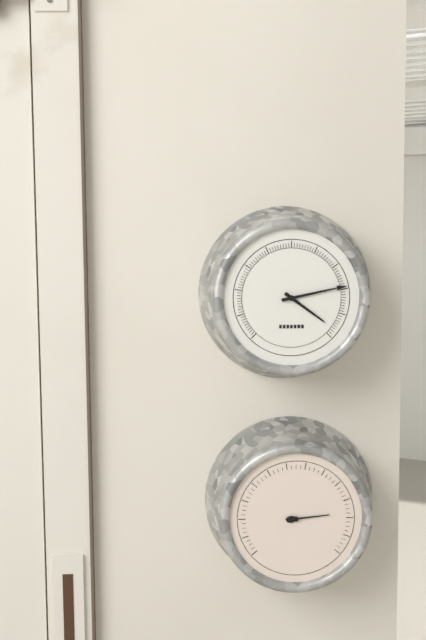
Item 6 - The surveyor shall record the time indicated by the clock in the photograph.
4:13
